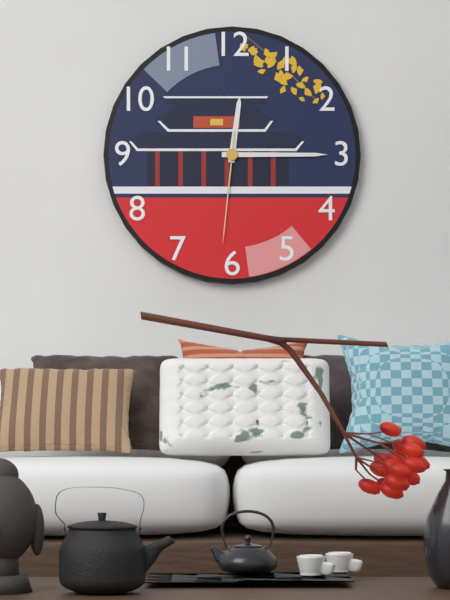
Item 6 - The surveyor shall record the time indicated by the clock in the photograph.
12:15:31
